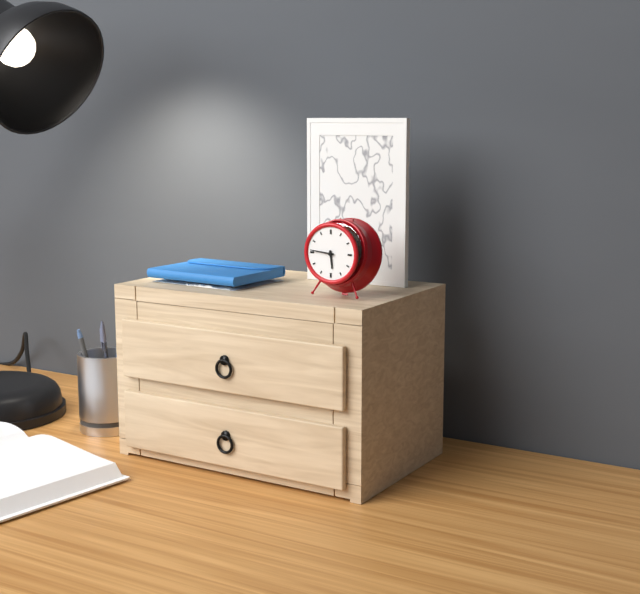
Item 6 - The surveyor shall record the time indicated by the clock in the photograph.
5:46
